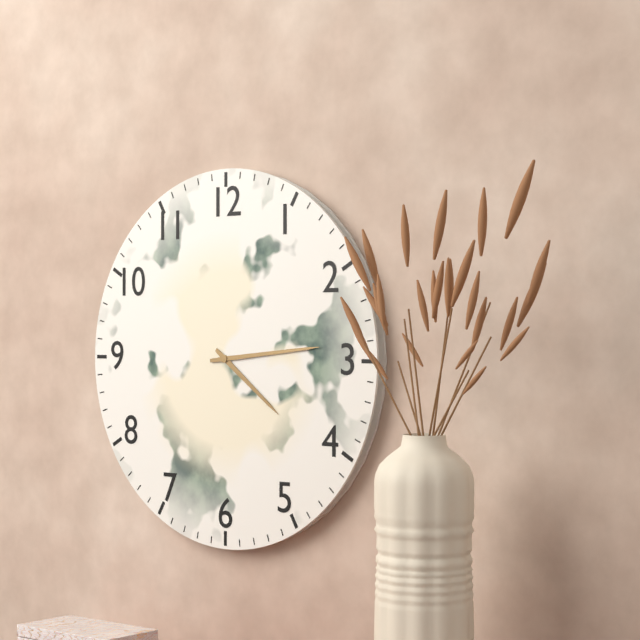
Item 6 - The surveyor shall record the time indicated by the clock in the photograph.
4:14
